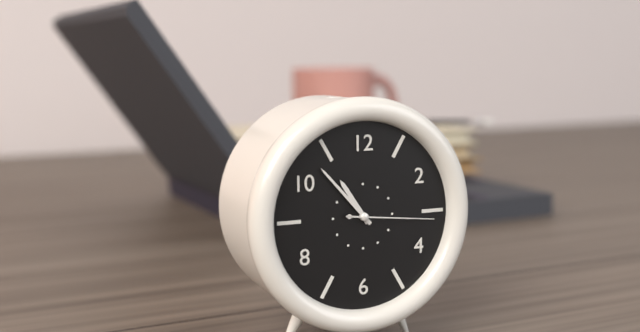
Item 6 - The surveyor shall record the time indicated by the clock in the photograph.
10:53:16
